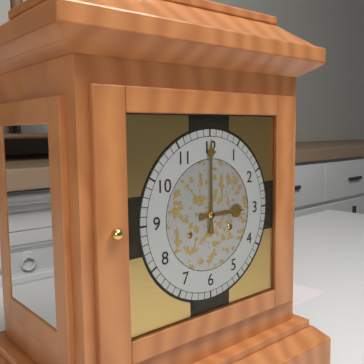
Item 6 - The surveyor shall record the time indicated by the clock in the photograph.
3:00
